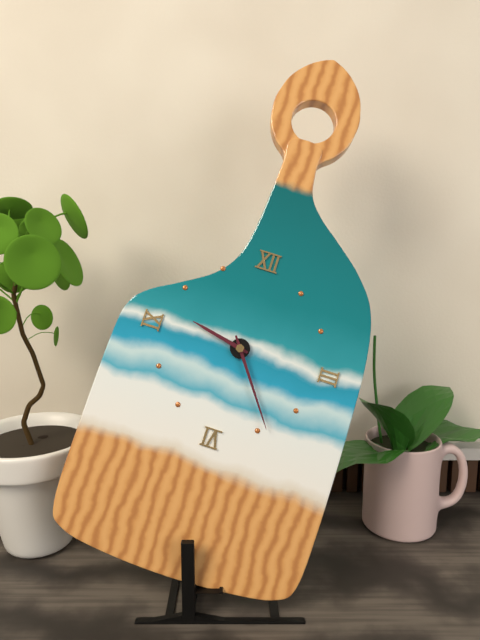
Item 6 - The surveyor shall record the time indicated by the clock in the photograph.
9:24
